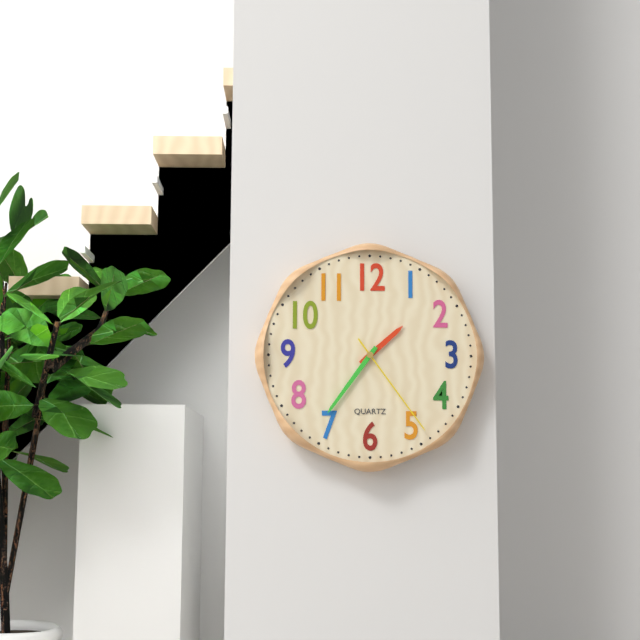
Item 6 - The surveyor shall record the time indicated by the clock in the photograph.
1:36:24
